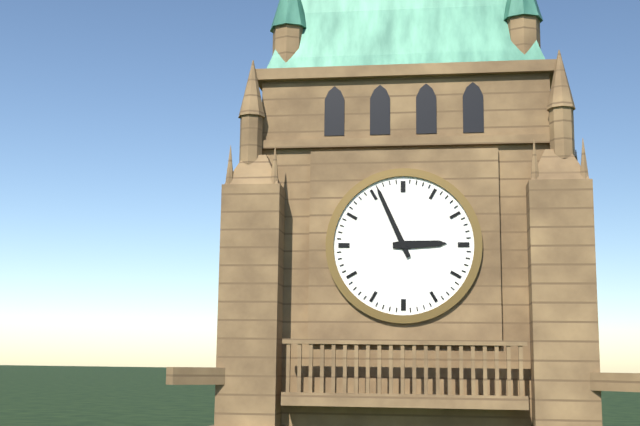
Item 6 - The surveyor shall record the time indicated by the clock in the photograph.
2:56
